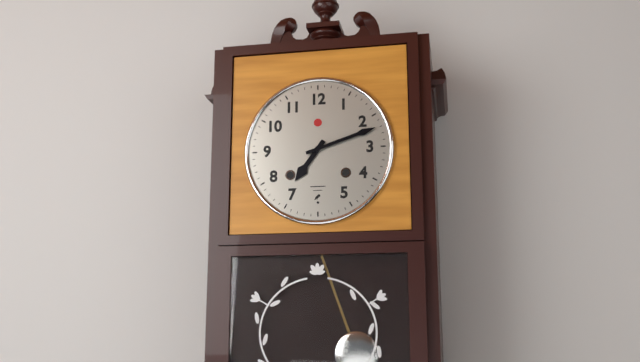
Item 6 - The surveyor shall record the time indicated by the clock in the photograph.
7:12
